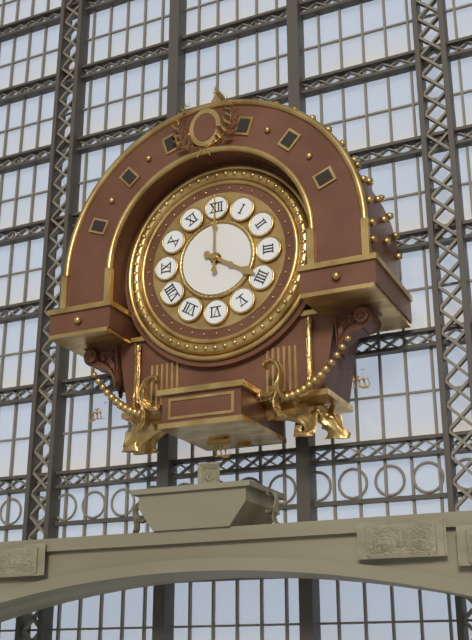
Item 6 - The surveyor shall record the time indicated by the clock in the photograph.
4:00
